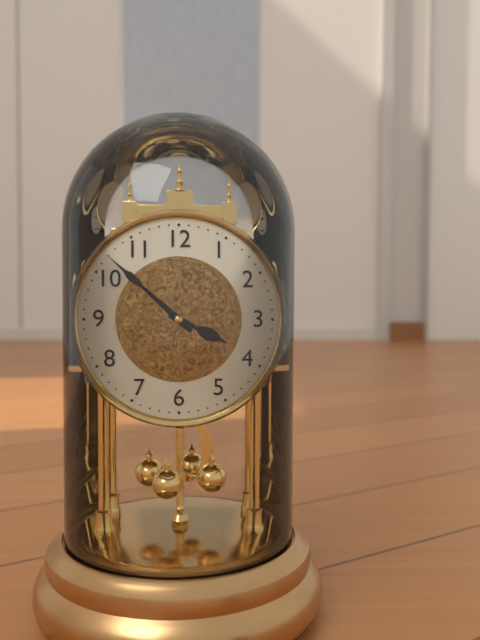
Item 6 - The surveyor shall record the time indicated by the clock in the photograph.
3:52
